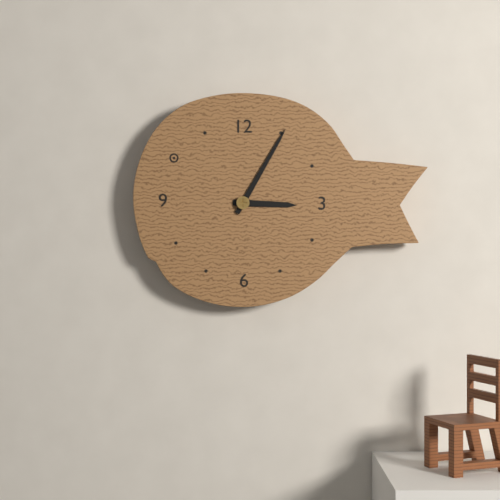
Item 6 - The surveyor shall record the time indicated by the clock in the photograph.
3:05
